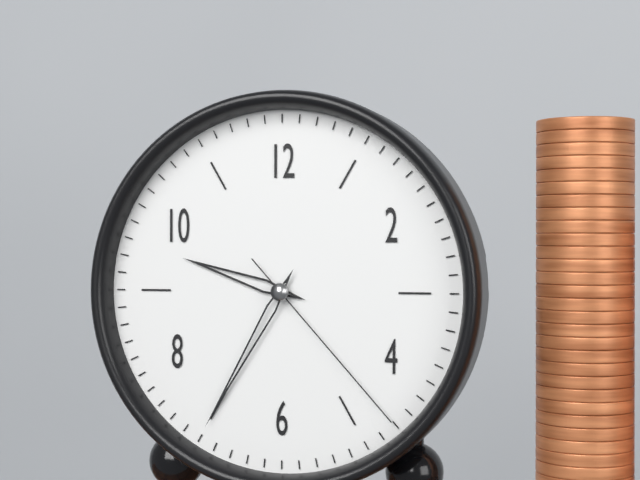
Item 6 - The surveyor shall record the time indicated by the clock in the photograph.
9:35:23
